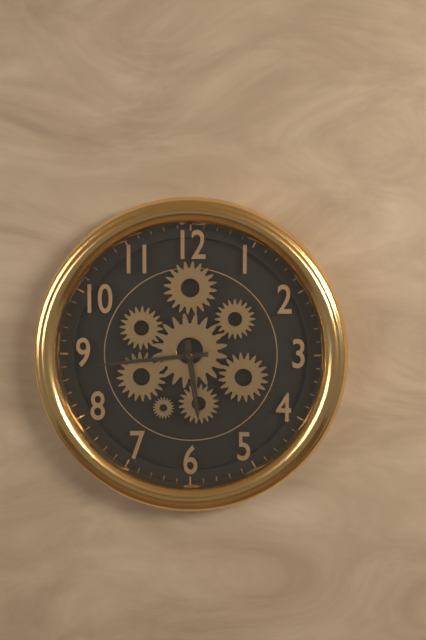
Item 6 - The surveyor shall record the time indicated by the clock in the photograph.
5:44
